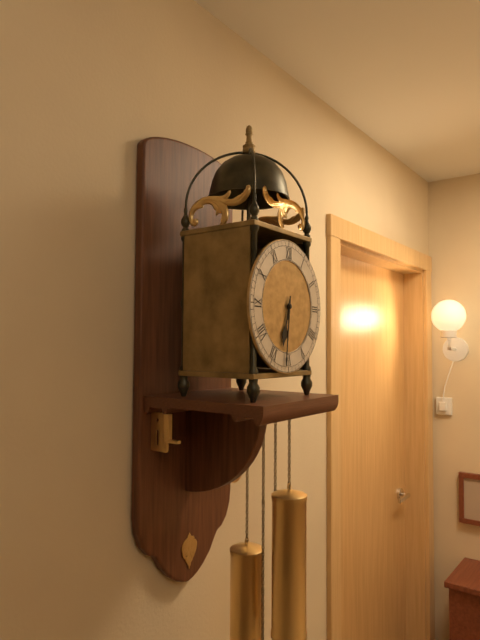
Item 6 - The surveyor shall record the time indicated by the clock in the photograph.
6:31
